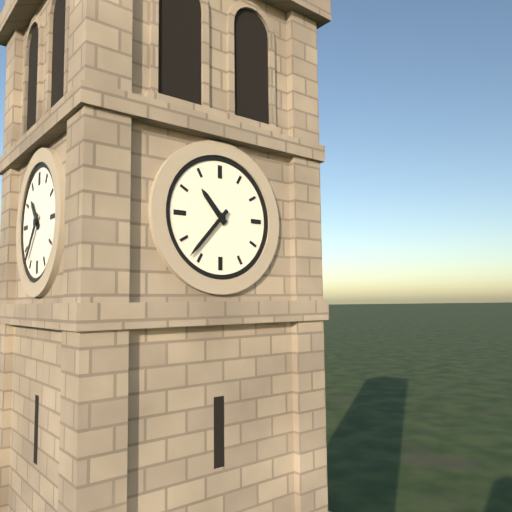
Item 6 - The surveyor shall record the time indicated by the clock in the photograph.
10:37
